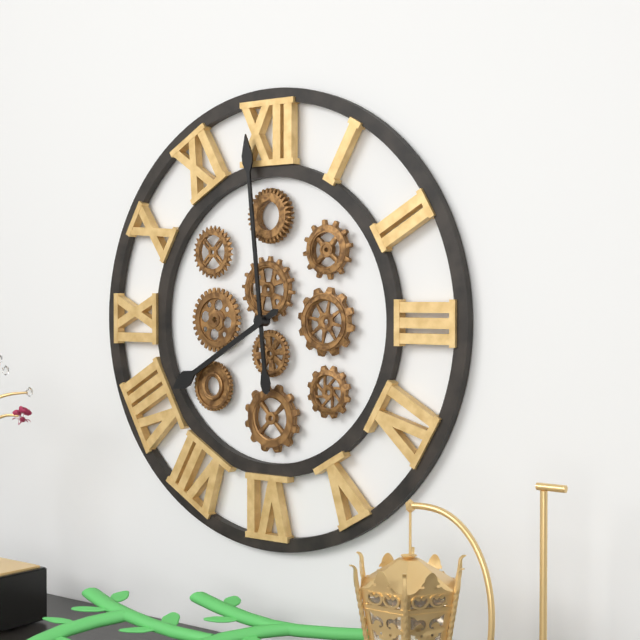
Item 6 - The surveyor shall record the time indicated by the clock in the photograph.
7:59
